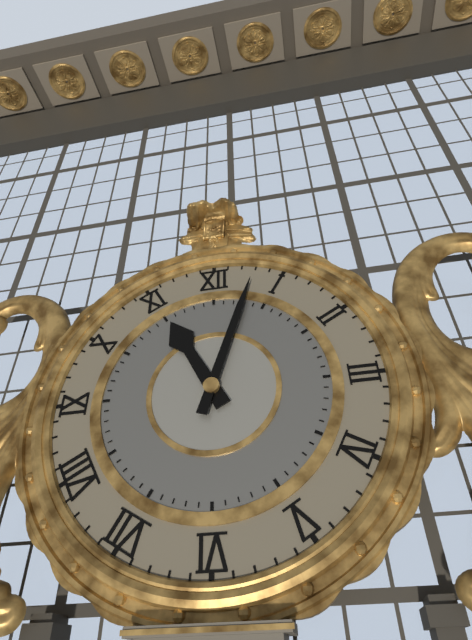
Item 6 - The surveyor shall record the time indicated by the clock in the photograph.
11:03
